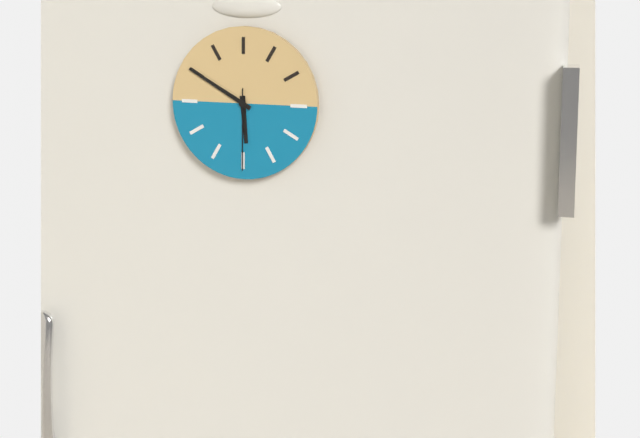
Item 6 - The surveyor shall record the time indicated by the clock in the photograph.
5:50:30
